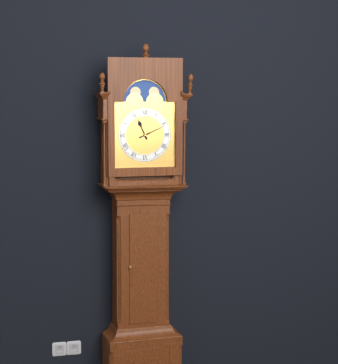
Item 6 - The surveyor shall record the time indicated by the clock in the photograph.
11:11
